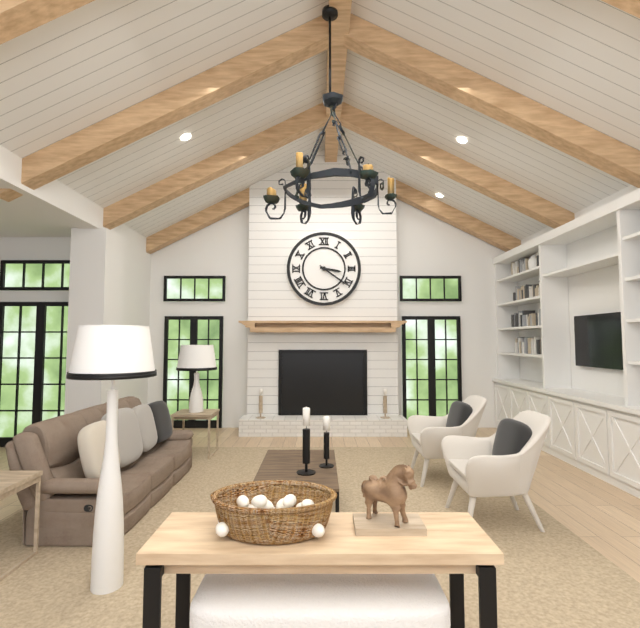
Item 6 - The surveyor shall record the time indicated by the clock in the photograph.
3:21
